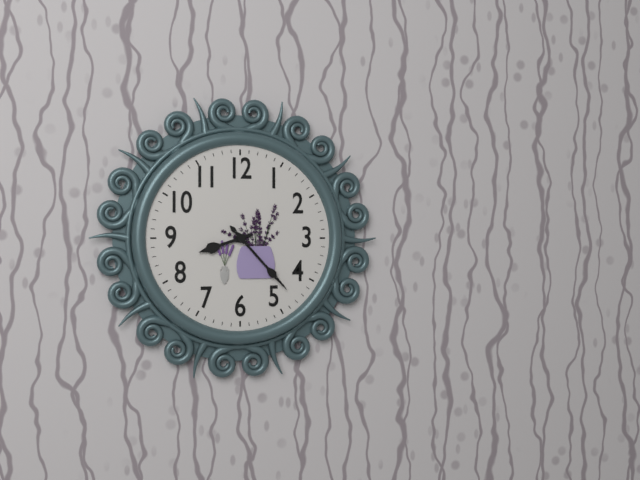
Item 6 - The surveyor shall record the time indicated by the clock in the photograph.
8:23
